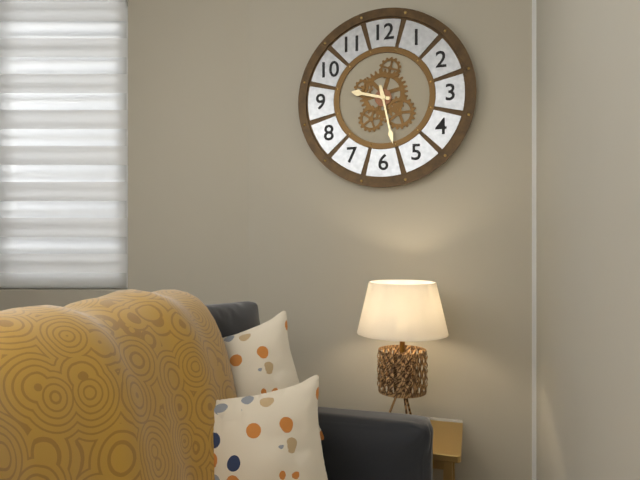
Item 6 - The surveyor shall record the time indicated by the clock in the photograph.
9:28
